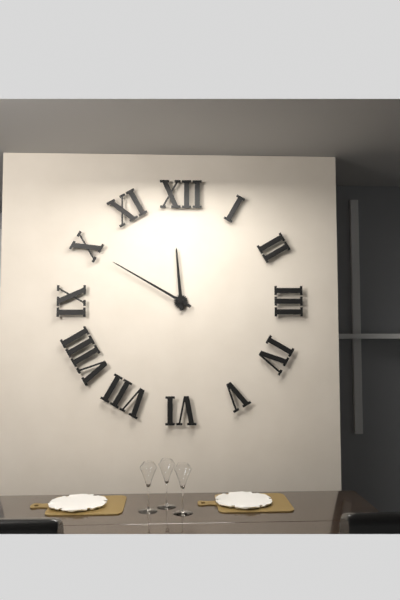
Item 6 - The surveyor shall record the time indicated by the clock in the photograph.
11:50
